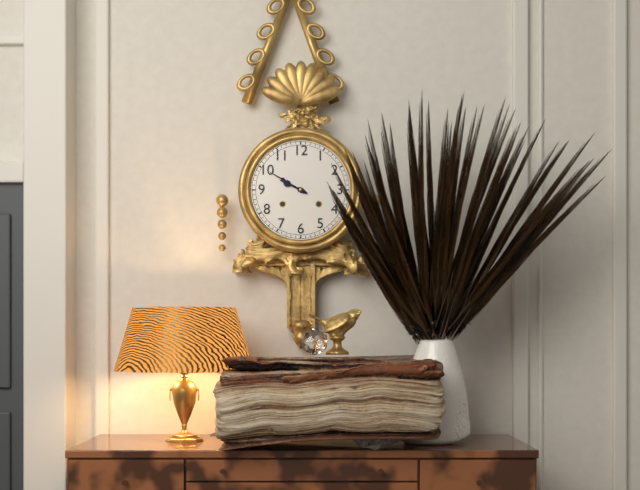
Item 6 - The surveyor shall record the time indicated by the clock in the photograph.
9:50
